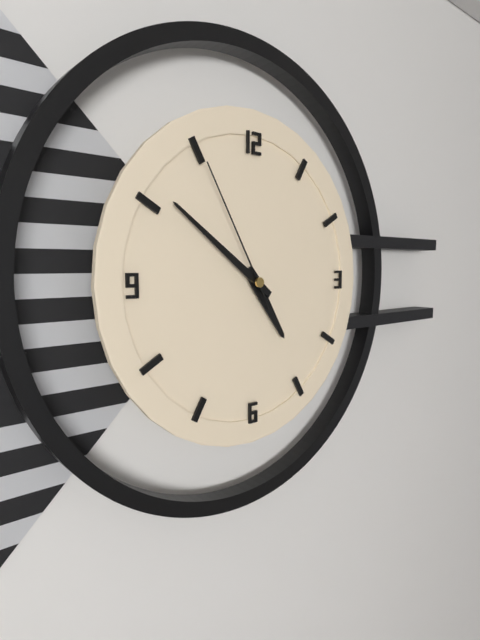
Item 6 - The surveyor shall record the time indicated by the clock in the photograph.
4:51:55
